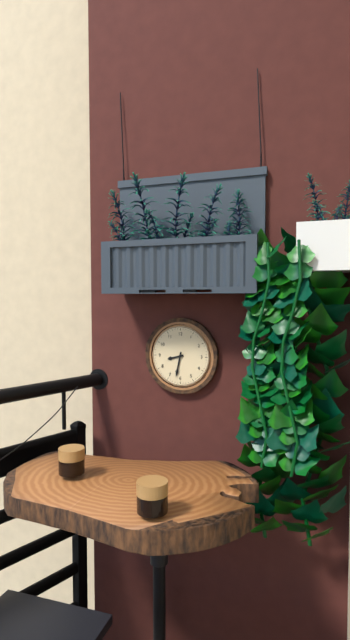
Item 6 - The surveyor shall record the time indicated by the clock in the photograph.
8:32
